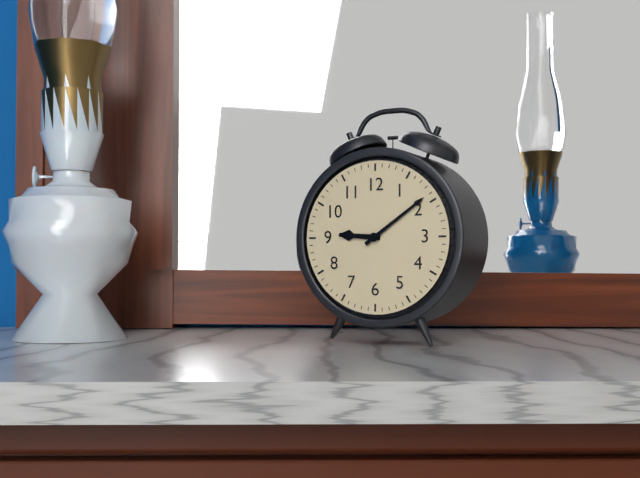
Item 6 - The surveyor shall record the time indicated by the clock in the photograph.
9:09
